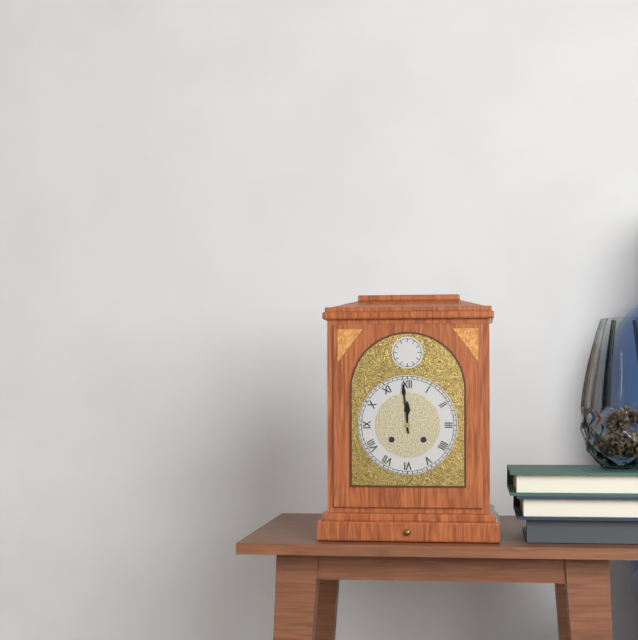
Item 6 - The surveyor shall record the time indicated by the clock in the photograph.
11:59
